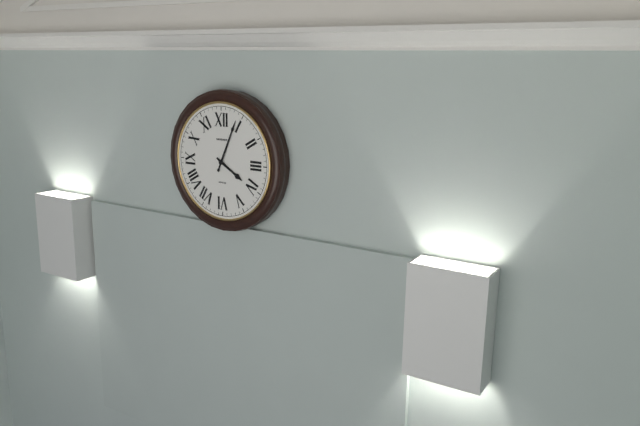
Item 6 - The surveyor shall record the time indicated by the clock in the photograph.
4:04
